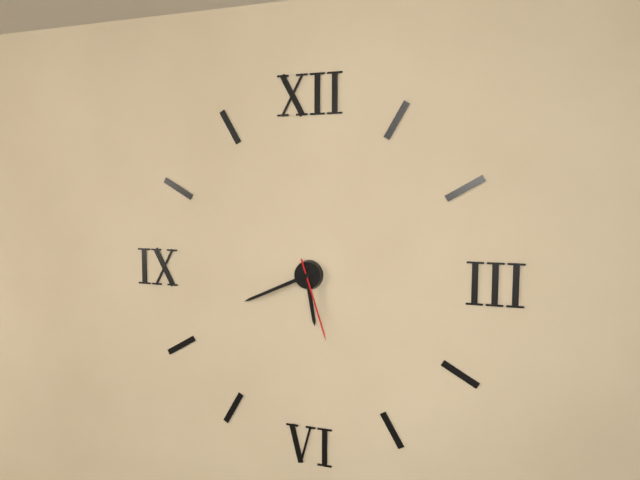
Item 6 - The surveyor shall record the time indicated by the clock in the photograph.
5:41:27
